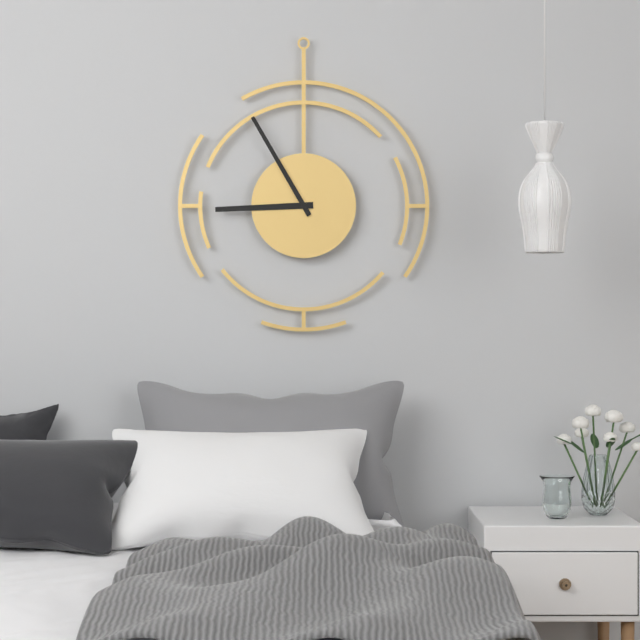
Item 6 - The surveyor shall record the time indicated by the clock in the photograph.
8:55
